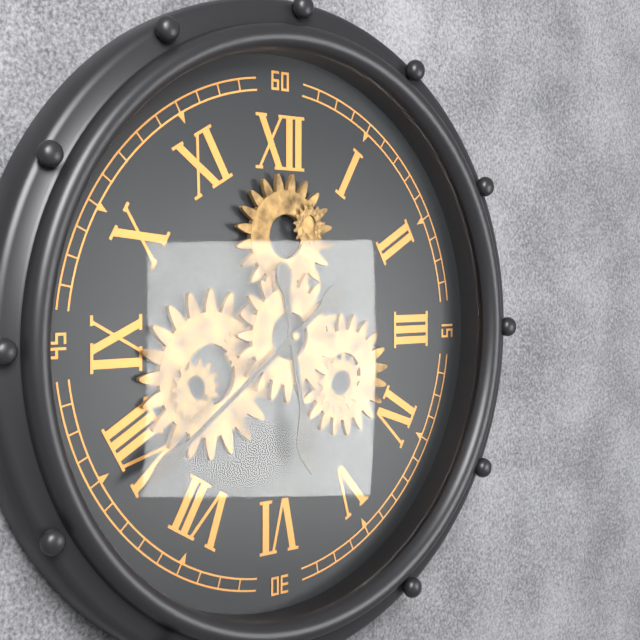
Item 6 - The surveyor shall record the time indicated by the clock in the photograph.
5:39
